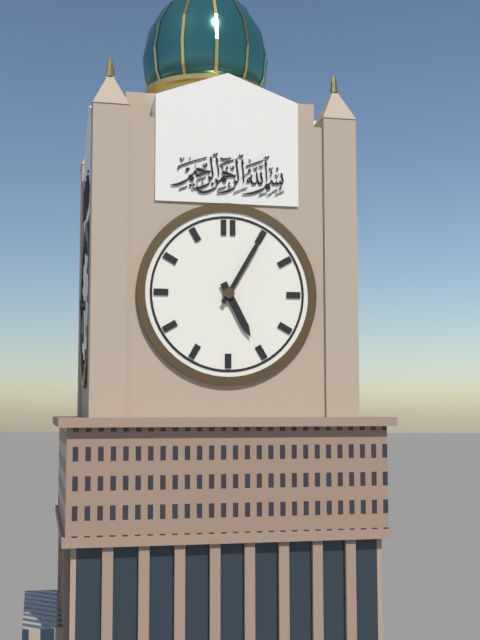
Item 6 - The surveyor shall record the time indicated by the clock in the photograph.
5:05
